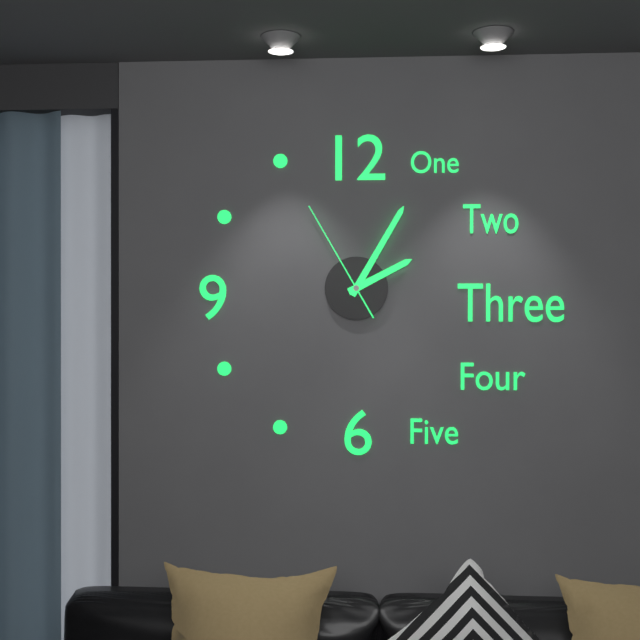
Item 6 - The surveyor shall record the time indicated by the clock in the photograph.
2:05:55
